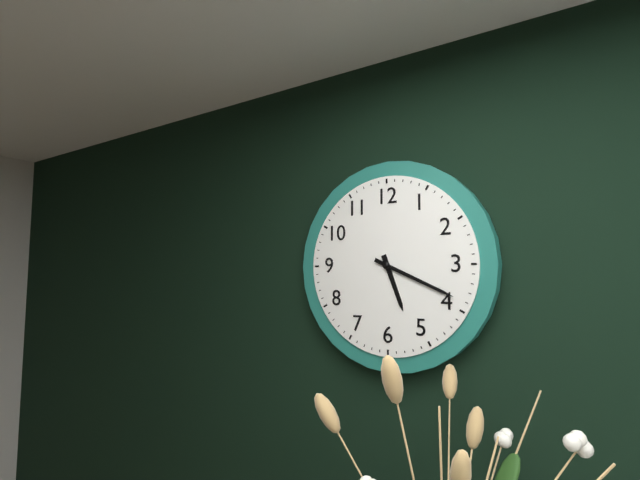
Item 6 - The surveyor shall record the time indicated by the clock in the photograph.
5:19
